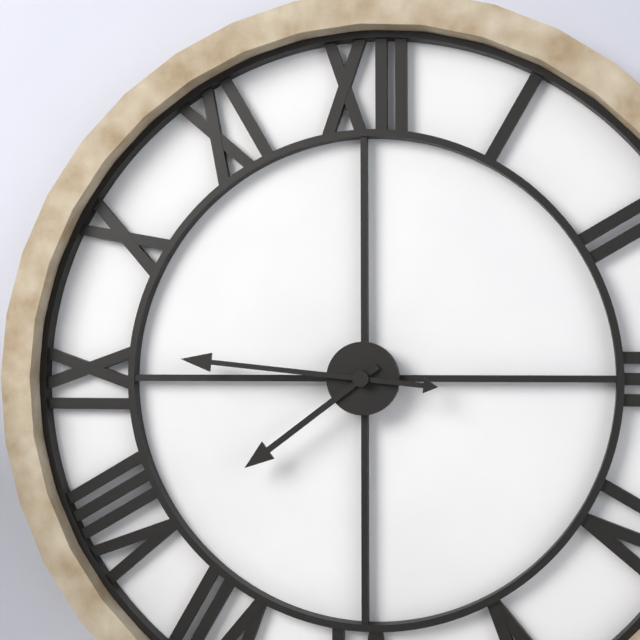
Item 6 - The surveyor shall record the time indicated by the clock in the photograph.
7:46
